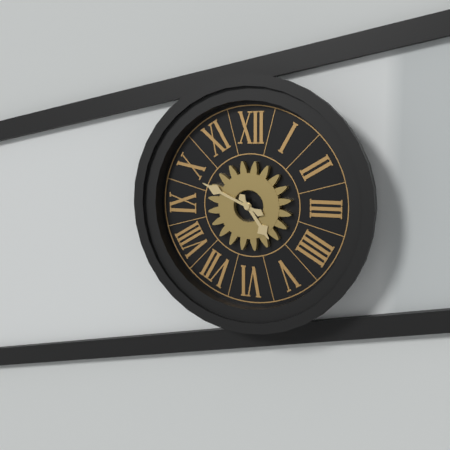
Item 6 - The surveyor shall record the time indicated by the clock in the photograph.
4:49
